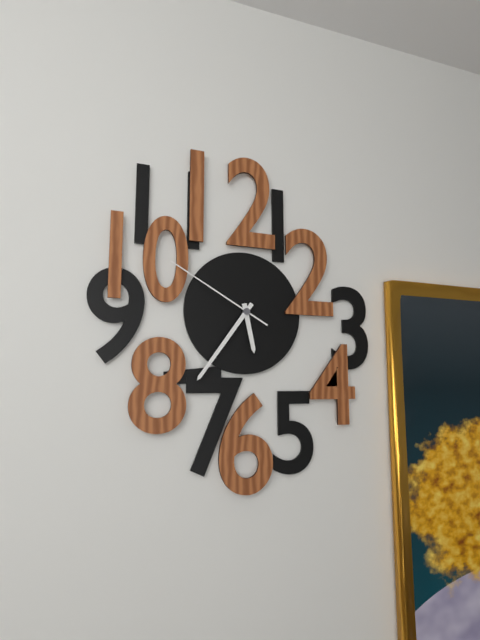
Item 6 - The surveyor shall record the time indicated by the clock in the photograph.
5:36:50
